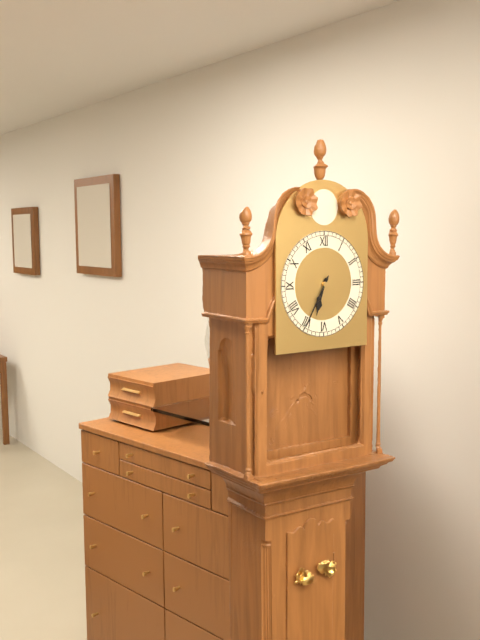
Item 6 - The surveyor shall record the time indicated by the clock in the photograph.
6:35
